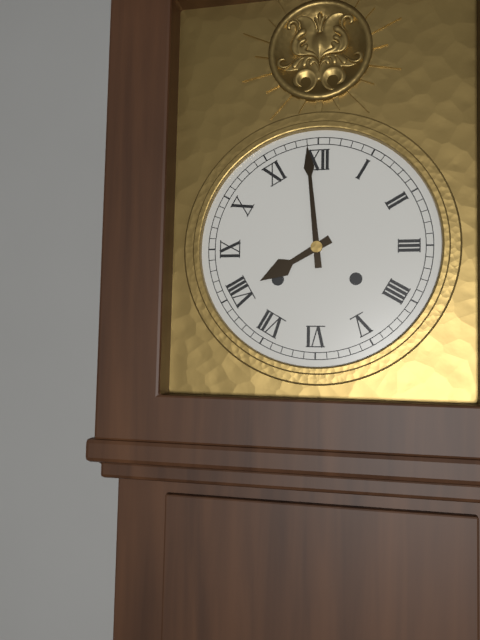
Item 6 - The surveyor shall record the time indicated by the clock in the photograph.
7:59
